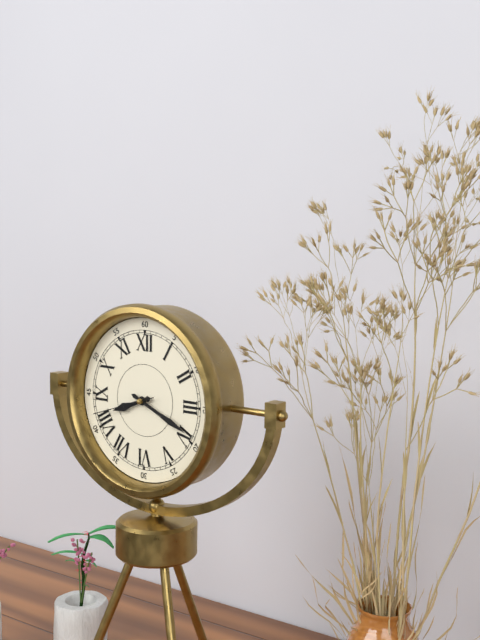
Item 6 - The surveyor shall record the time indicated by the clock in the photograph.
8:19:42
